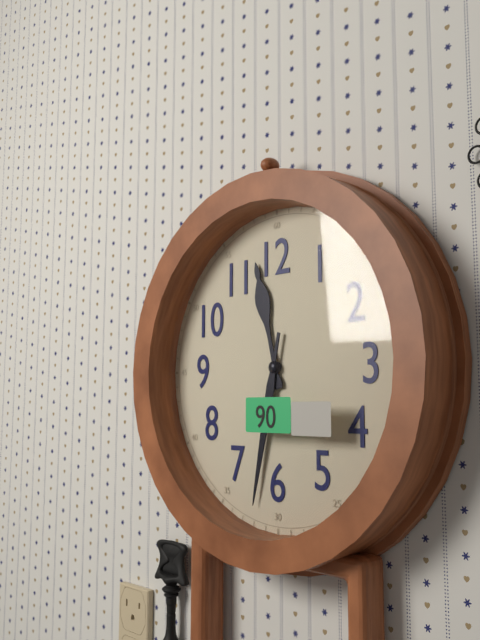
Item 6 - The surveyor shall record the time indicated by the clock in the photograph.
11:32
